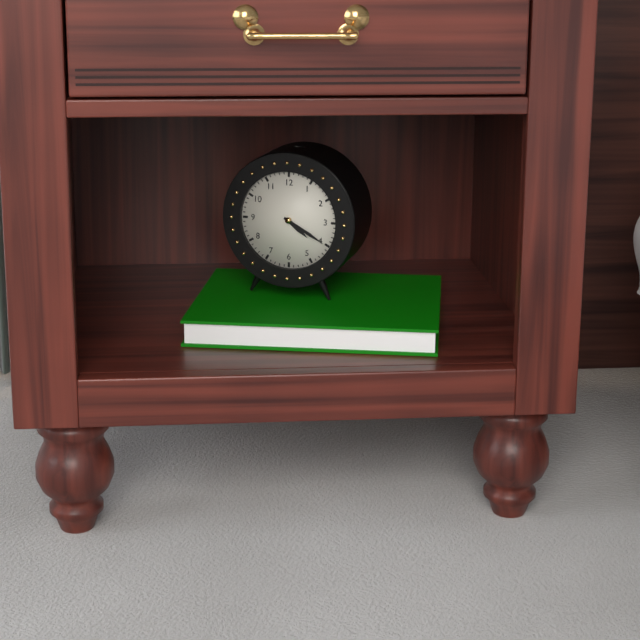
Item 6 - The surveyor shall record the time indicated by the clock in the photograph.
4:20
